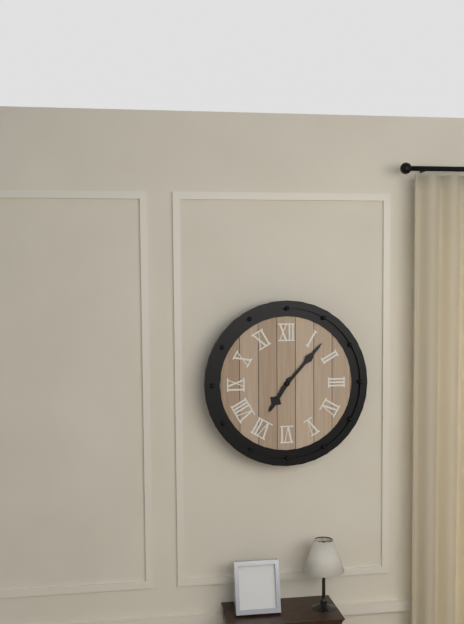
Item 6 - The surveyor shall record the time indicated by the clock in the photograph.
7:07
